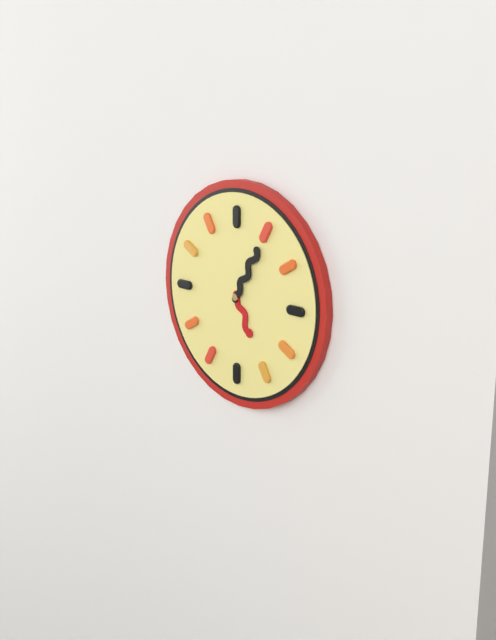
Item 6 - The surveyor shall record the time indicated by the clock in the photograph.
5:05
